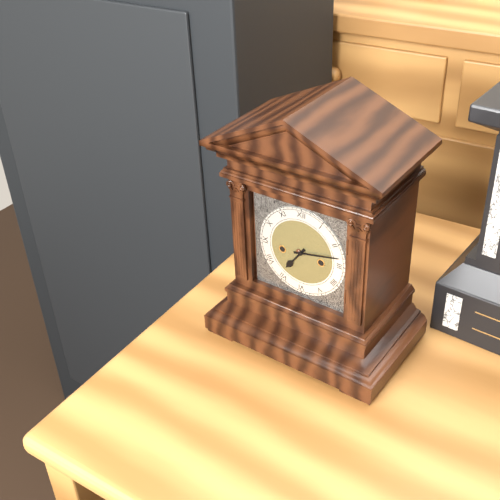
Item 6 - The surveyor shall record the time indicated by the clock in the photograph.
7:13
